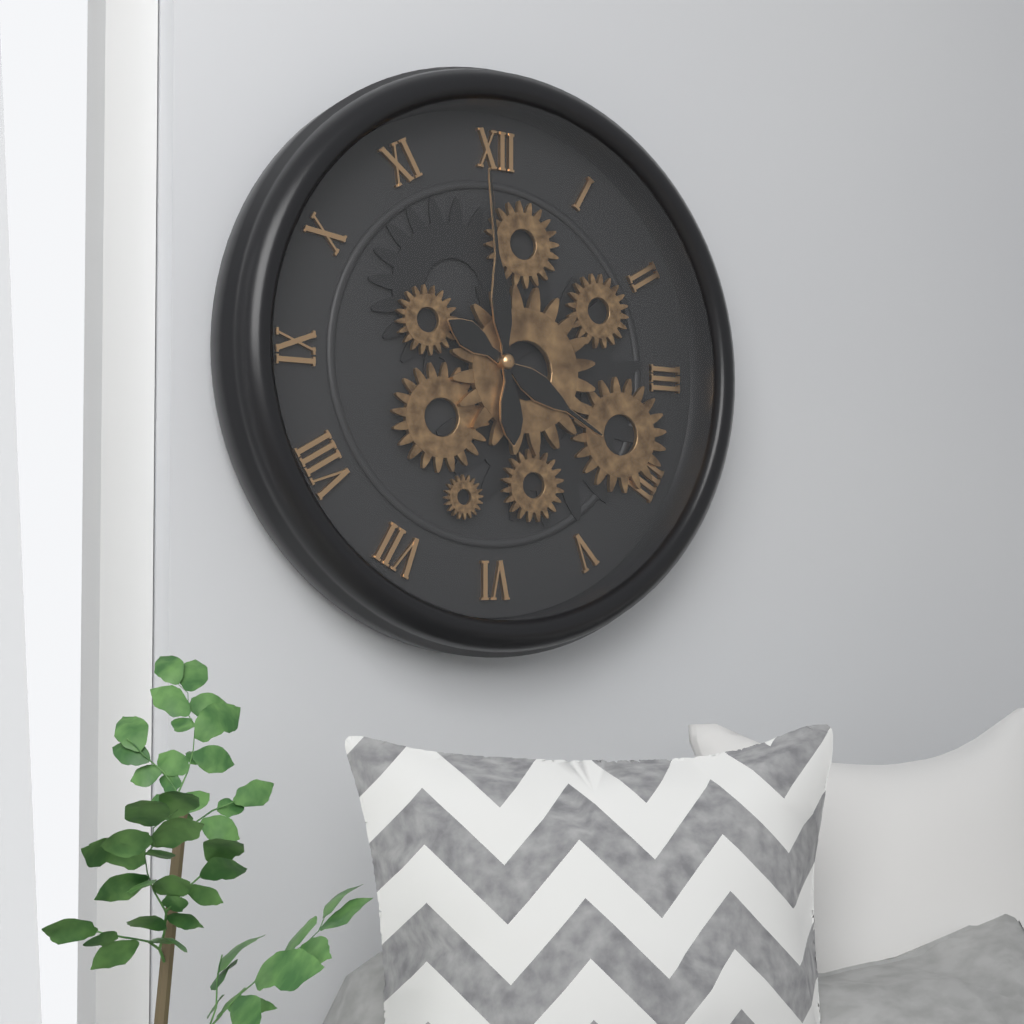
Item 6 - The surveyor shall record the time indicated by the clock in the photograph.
3:59
